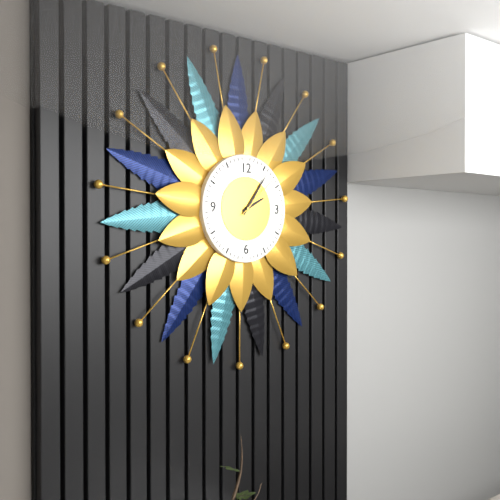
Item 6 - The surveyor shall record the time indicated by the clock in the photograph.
2:06
